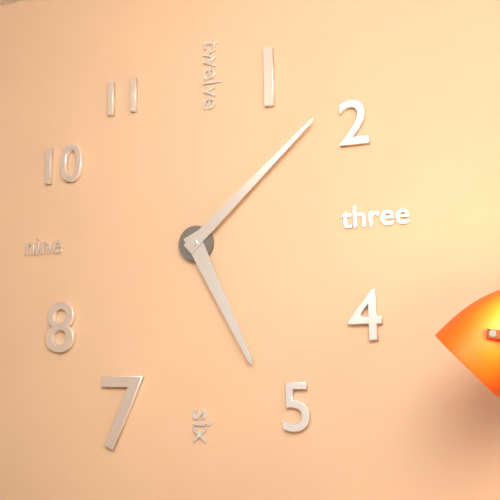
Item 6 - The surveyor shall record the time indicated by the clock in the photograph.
5:08
